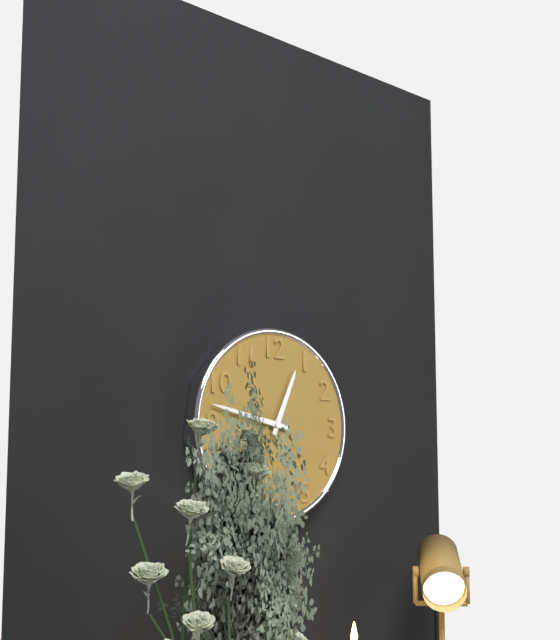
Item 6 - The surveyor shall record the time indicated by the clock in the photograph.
12:47
